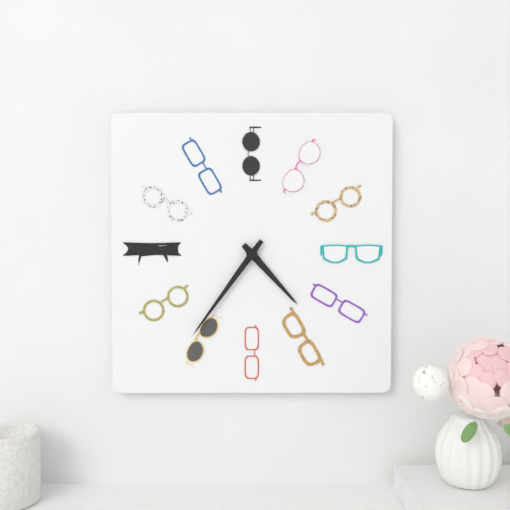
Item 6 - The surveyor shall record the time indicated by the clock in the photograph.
4:36
